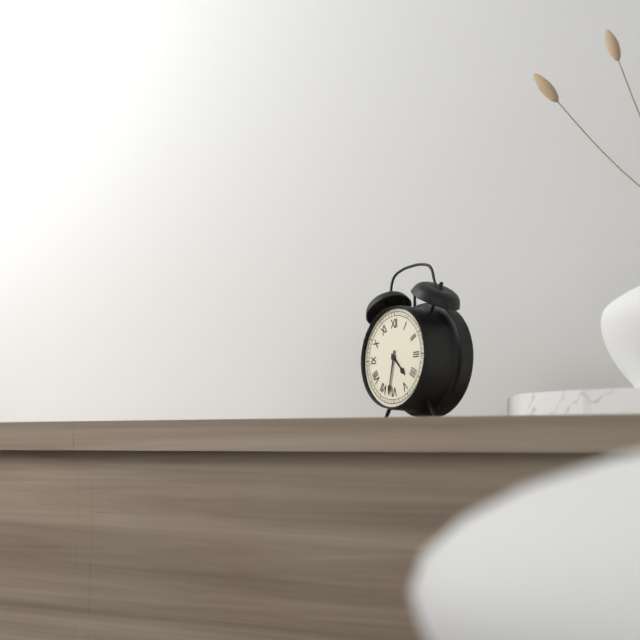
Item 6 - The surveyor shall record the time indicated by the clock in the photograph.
4:32
